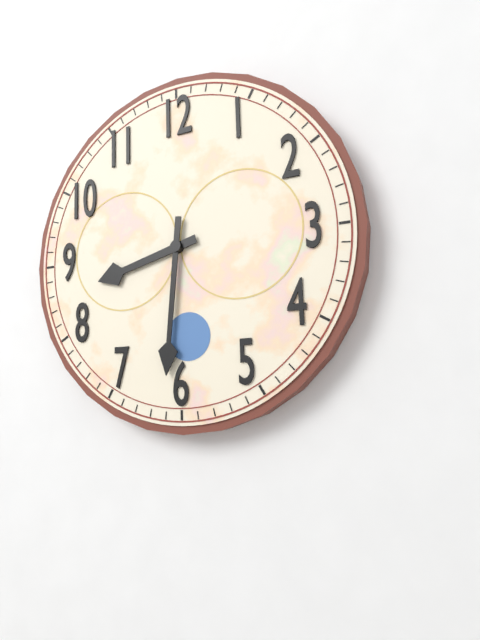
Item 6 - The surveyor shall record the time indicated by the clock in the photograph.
8:31
